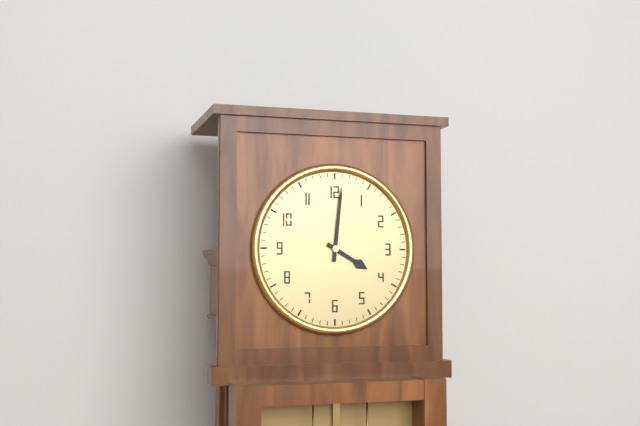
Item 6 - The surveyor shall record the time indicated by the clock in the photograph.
4:01
